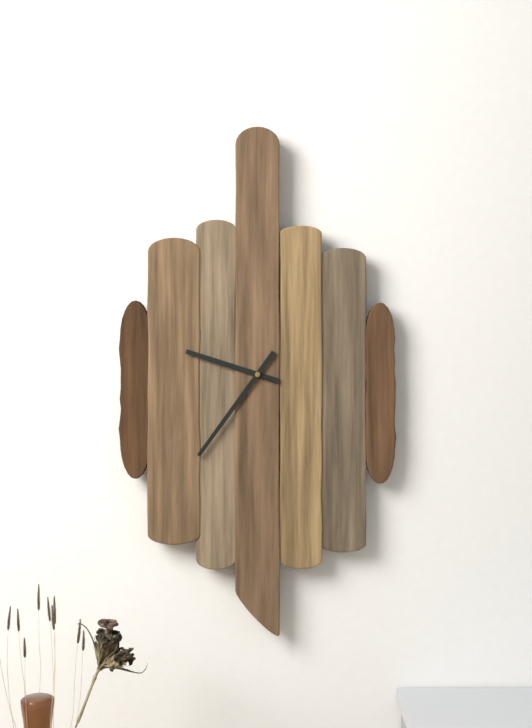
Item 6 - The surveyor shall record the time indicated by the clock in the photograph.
9:36
